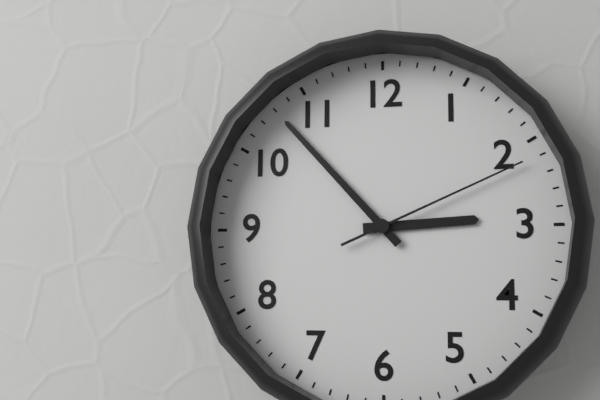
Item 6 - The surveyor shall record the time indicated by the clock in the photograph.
2:53:11
